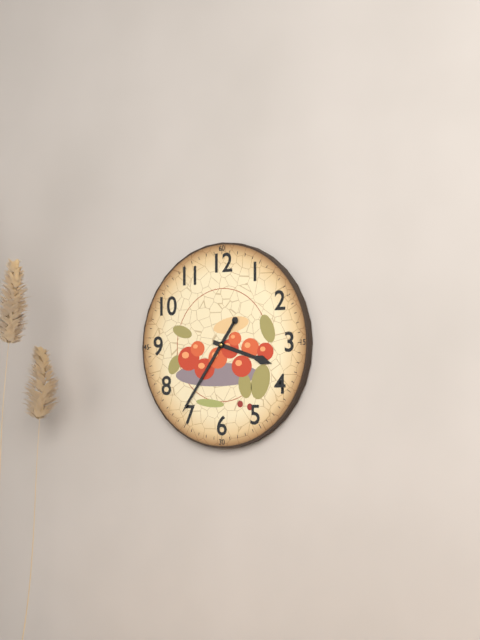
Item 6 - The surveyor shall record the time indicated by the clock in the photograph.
3:36
